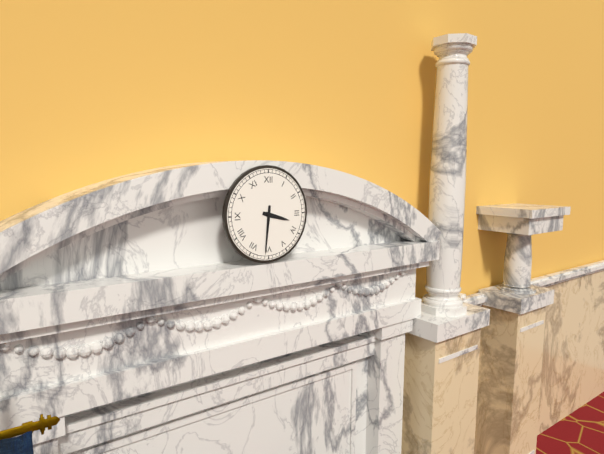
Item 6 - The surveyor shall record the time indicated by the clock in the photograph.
3:31
